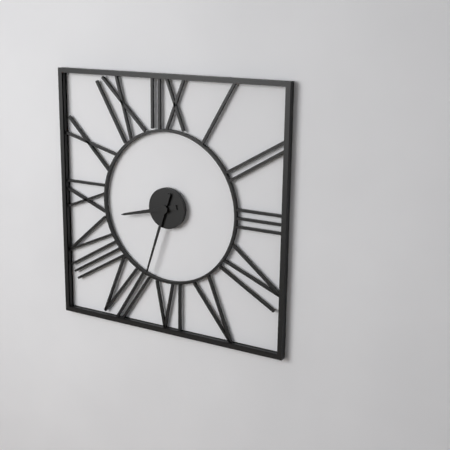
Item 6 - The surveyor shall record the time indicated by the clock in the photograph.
8:33
